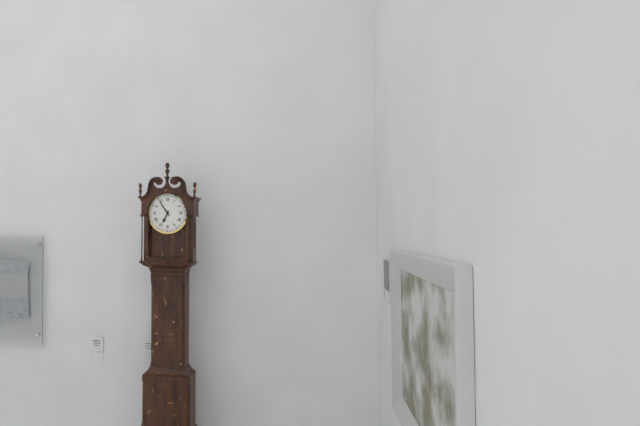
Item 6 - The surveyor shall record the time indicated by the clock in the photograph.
6:54
